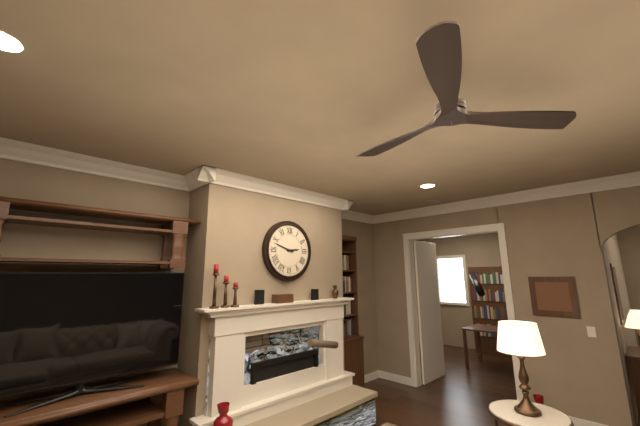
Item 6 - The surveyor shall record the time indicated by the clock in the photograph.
2:48
